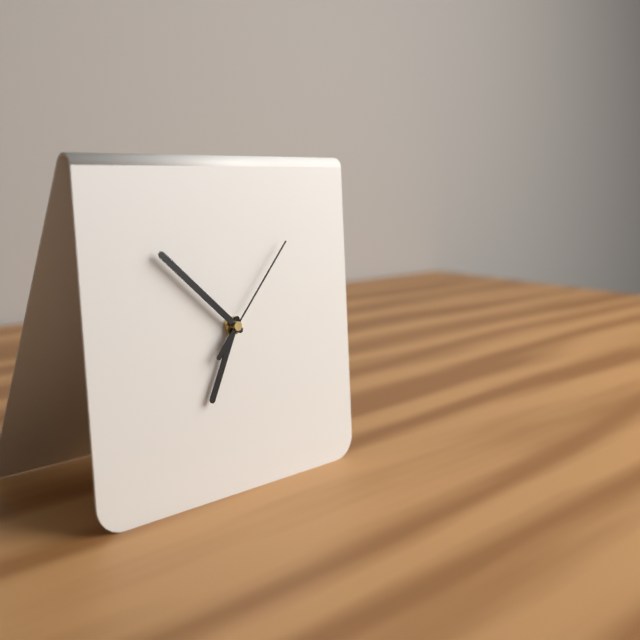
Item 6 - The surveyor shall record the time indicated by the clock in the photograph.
6:52:07
